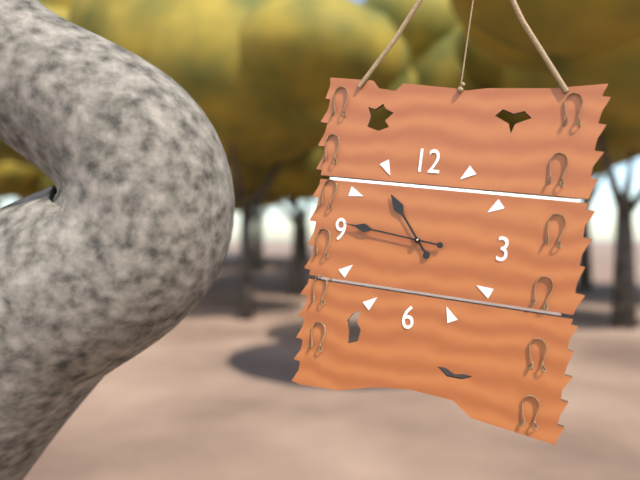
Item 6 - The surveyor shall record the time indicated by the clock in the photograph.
10:46
